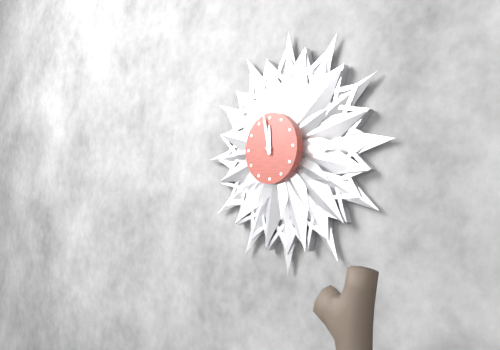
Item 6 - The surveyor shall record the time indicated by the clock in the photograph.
11:58
